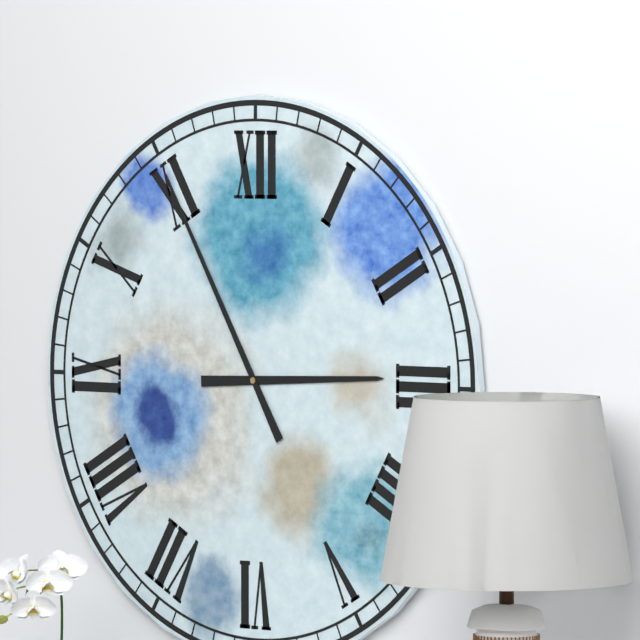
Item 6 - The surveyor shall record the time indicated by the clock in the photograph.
2:55
